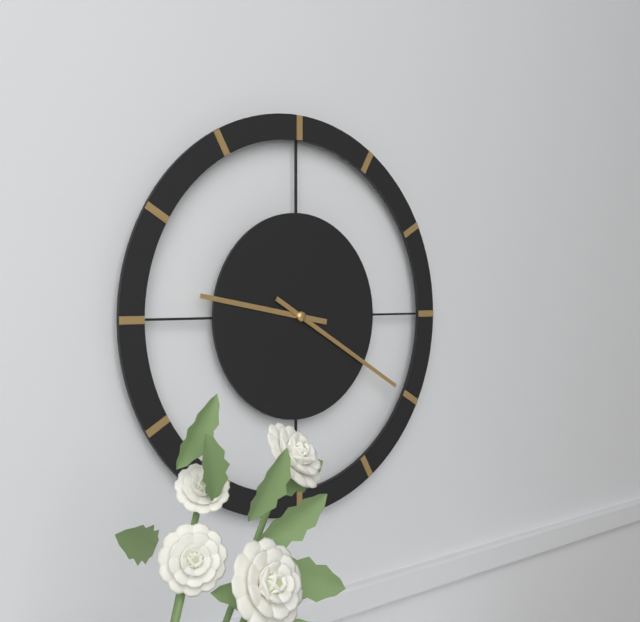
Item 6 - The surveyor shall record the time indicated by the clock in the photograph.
9:20
